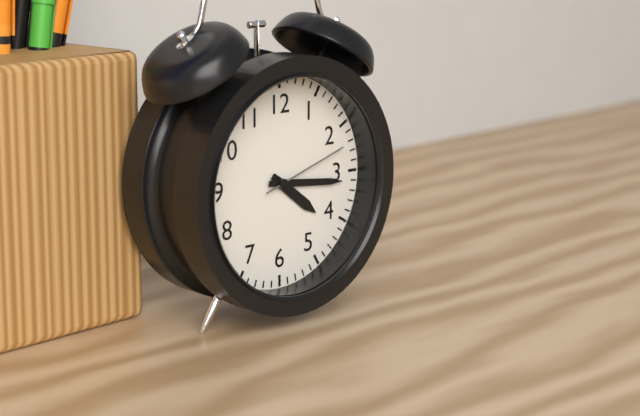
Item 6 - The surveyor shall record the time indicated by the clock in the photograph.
4:16:12
